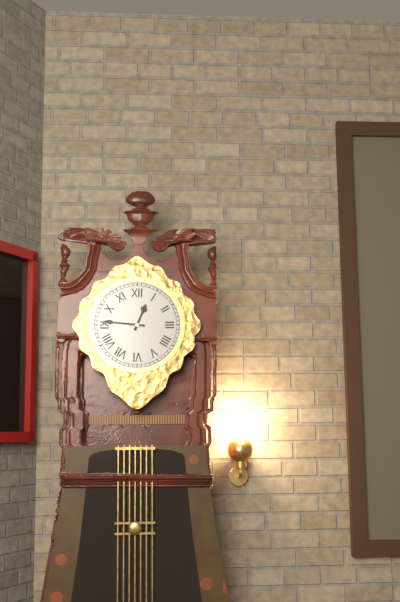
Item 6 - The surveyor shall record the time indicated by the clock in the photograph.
12:46
